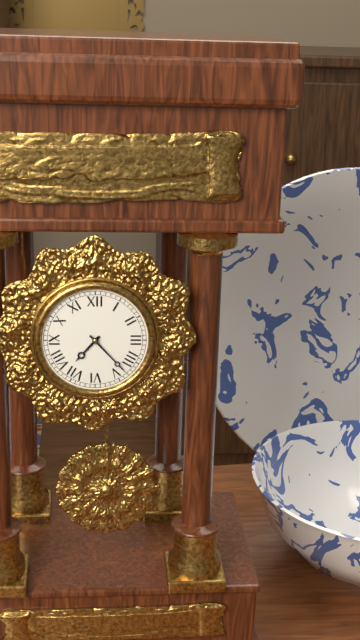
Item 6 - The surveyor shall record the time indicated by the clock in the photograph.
7:23
